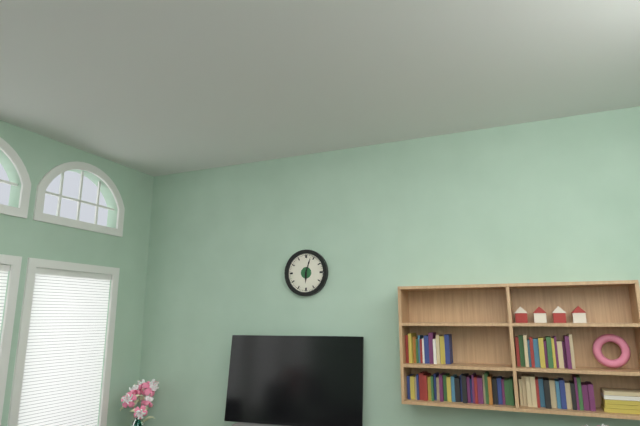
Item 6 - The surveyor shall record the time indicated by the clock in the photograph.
6:03
